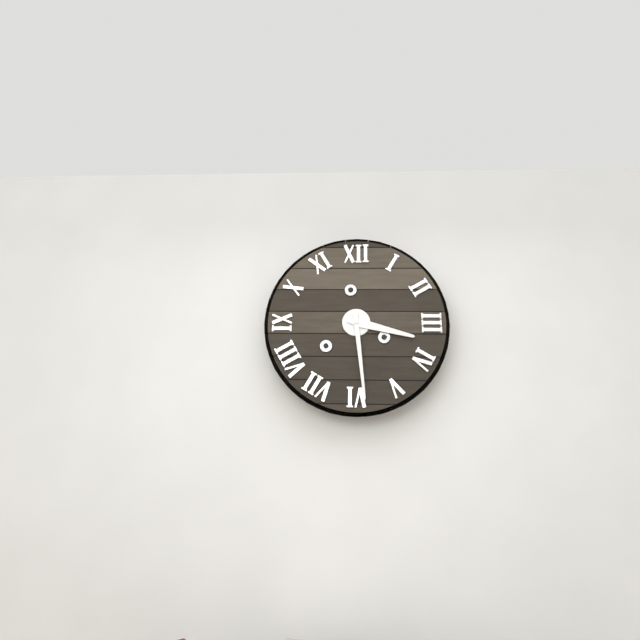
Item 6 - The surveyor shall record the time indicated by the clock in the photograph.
3:29
